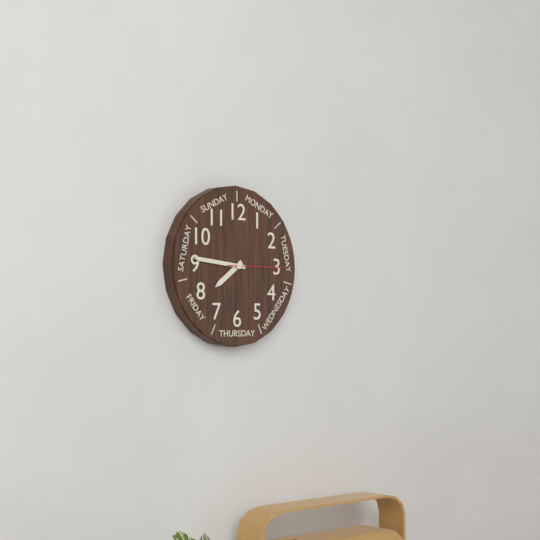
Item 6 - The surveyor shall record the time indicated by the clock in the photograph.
7:46:15
